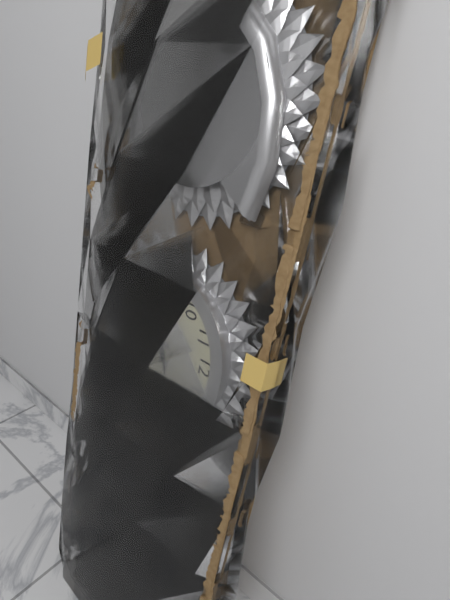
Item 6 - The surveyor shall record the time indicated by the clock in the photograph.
2:33
